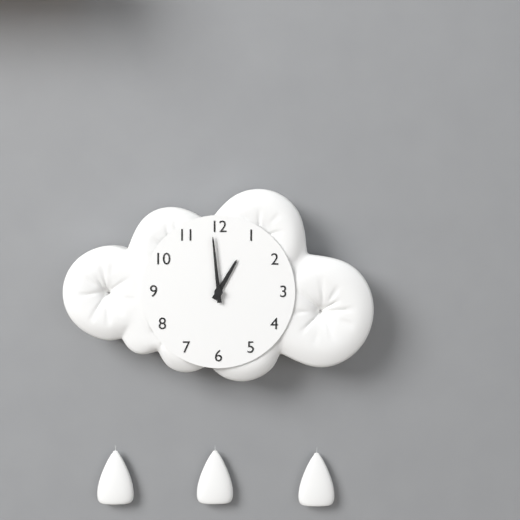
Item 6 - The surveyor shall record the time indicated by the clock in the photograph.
12:59
